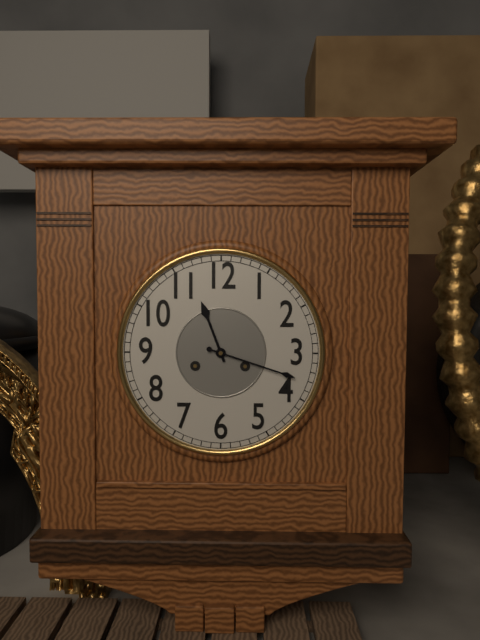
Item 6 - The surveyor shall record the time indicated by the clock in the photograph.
11:18
